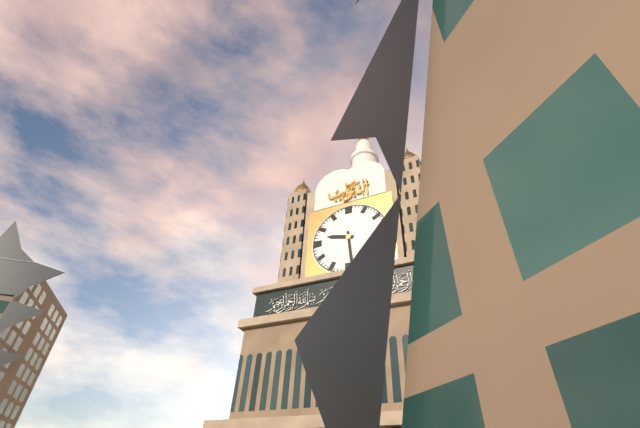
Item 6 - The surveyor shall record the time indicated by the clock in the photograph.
9:29
